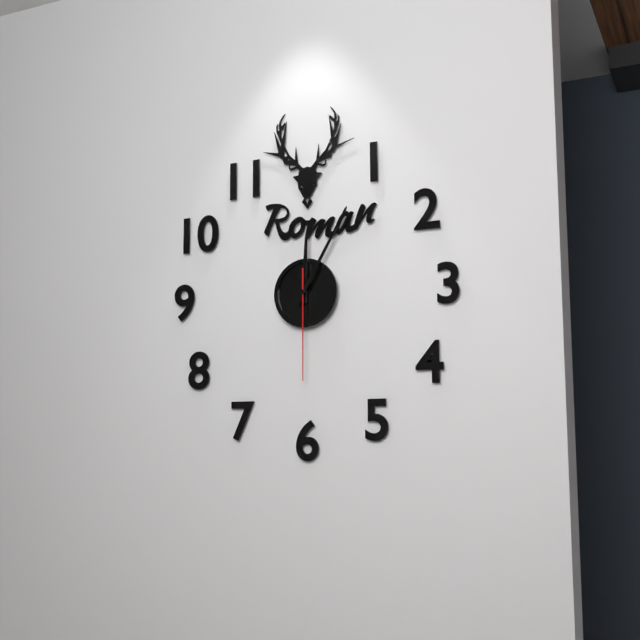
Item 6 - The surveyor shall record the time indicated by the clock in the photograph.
12:05:30
